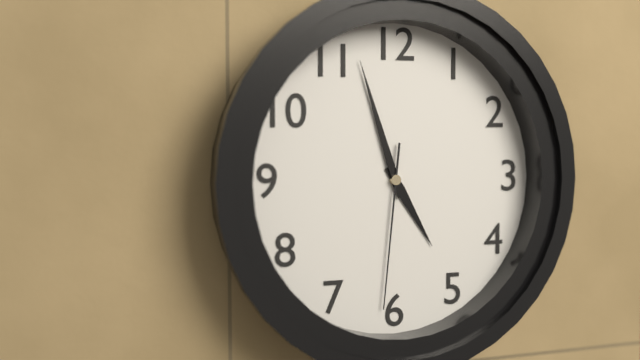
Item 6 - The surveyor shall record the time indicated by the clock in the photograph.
4:57:31
